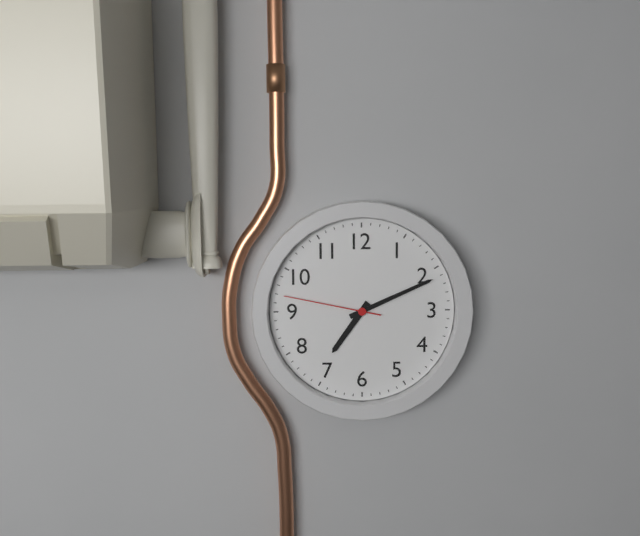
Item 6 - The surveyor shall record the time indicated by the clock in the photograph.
7:11:47
